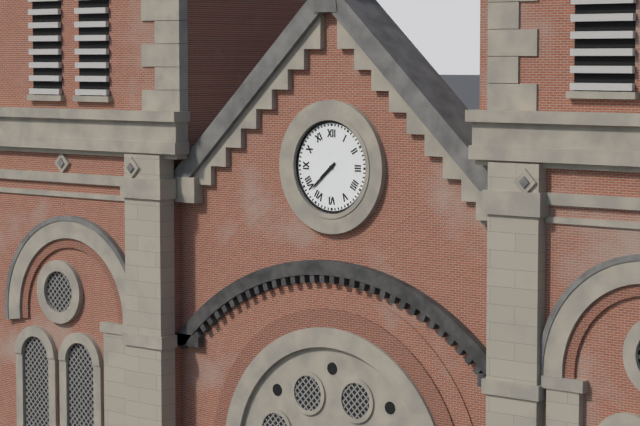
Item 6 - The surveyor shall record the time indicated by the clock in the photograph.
7:38
